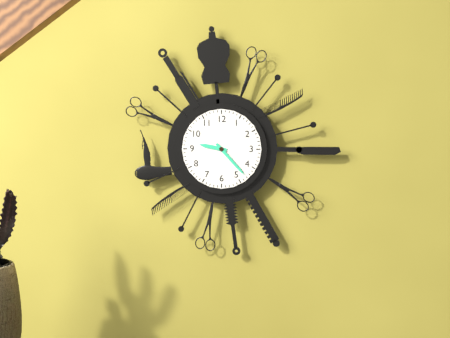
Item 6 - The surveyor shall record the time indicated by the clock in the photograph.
9:23
